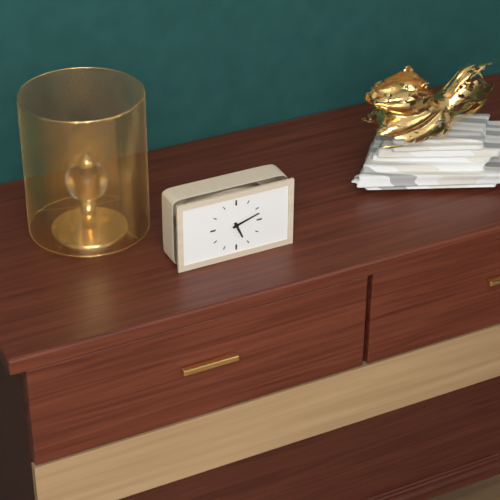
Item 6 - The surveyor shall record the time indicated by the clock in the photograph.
5:12
